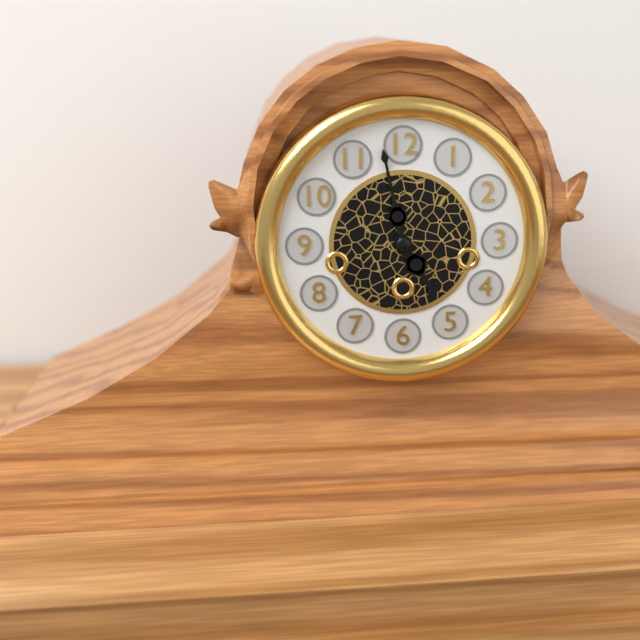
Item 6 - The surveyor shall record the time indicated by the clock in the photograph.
4:58
